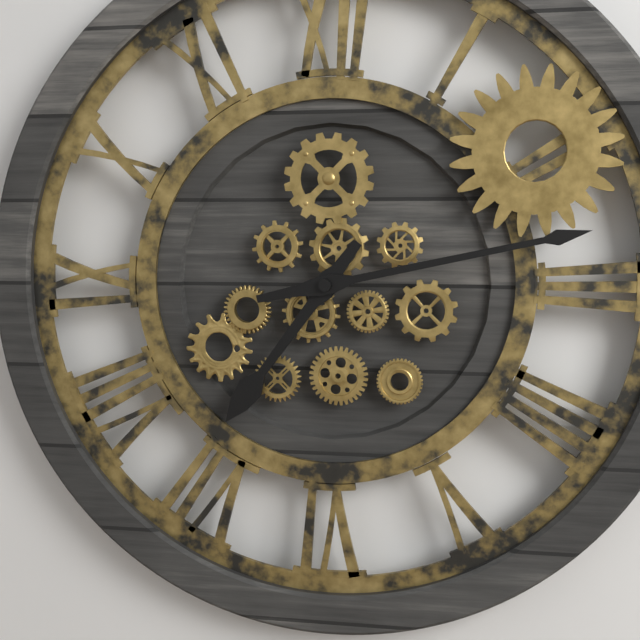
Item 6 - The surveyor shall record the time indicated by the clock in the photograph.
7:13
